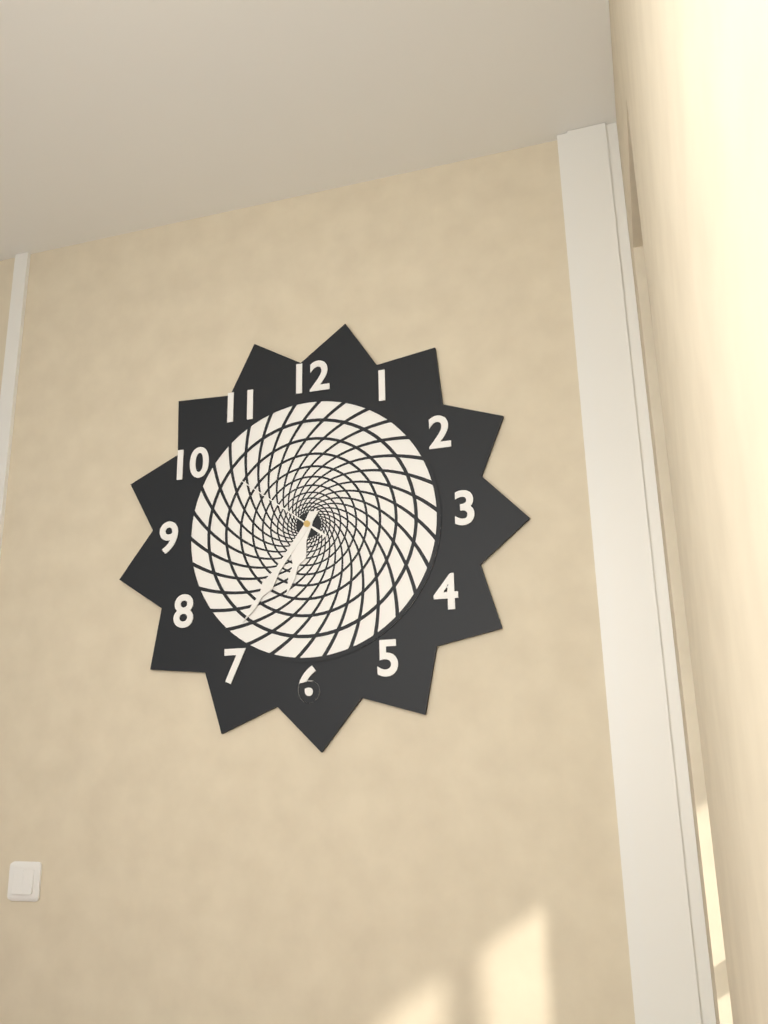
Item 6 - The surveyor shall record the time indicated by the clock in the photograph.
6:36:51
